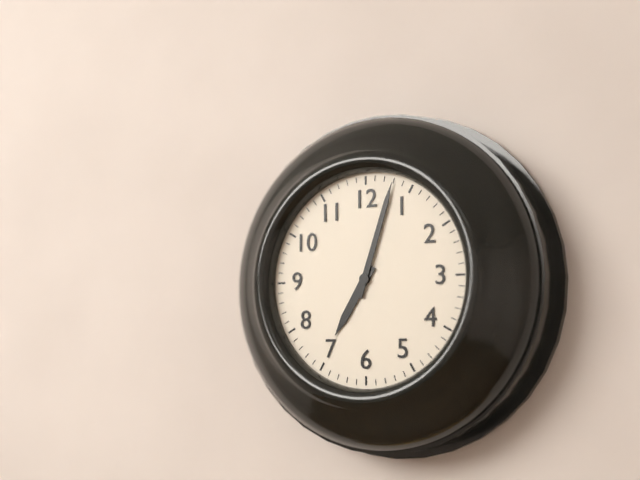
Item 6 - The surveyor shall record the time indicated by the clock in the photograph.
7:03
